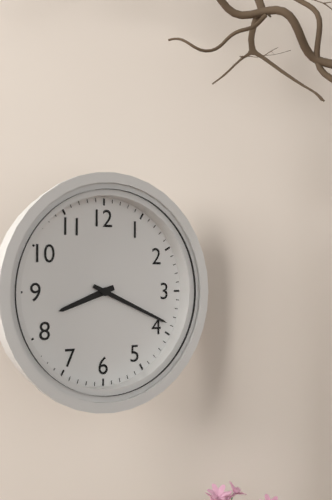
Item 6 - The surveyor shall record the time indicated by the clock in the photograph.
8:19
